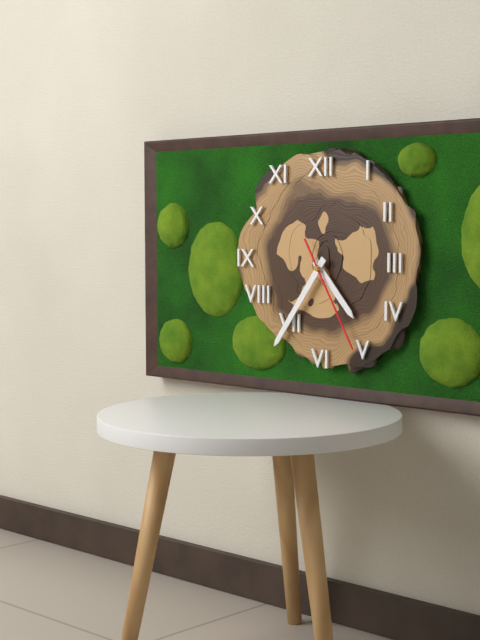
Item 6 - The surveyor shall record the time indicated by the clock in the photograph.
4:36:25
